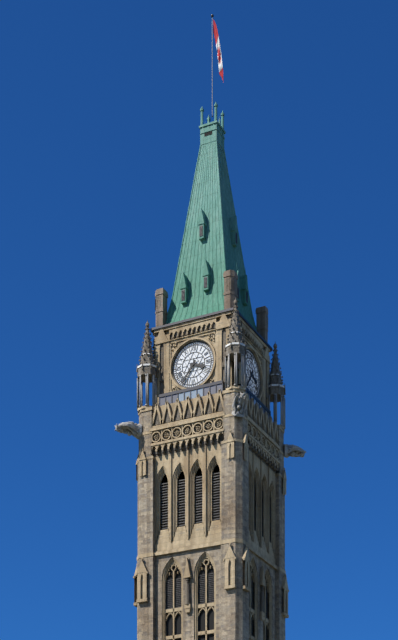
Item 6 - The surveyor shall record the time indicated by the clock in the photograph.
3:36
